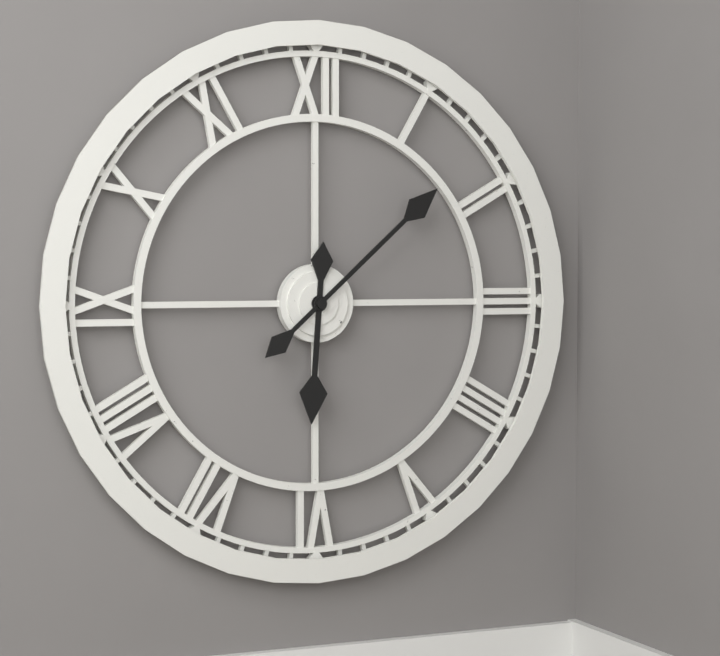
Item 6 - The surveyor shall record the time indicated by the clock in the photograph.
6:08
